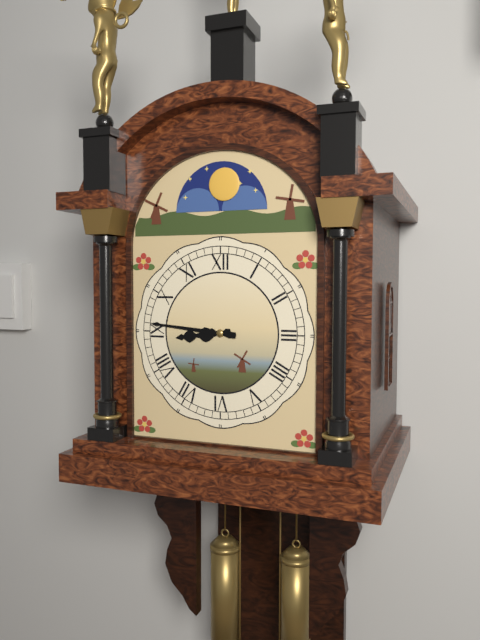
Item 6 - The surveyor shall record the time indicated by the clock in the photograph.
8:46
